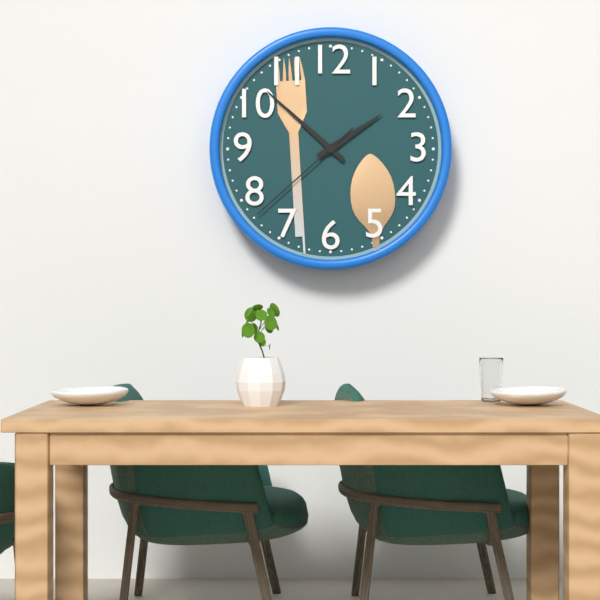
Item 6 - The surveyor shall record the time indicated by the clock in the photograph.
1:52:38
